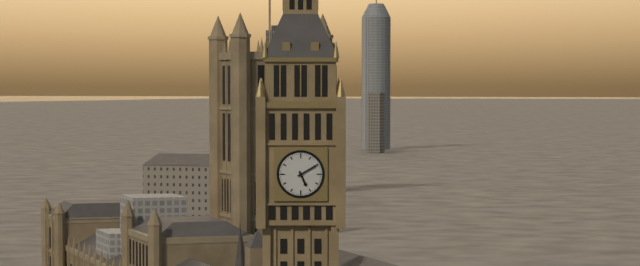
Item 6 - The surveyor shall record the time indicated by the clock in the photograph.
5:10
